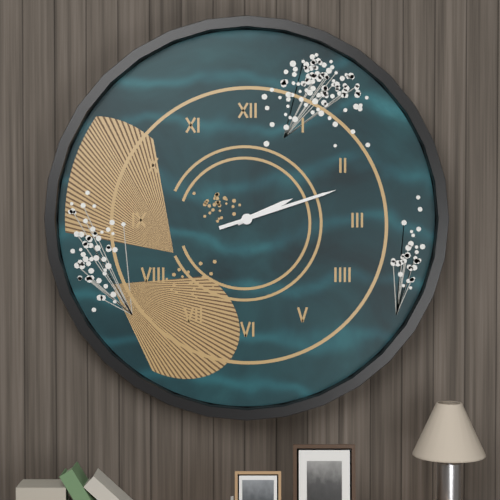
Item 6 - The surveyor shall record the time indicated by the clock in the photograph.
2:12
